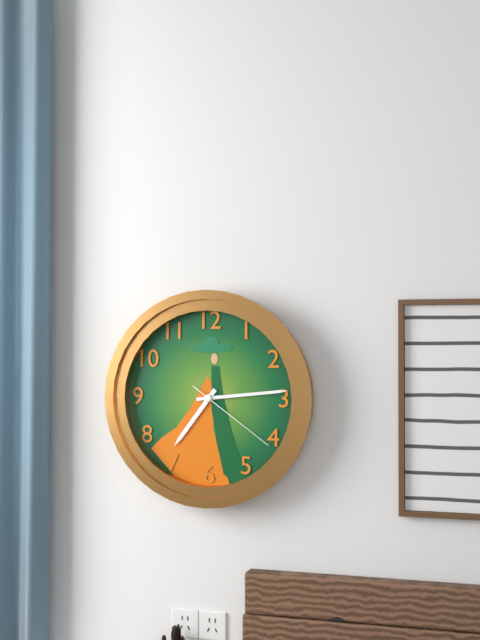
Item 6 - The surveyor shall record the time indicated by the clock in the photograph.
7:14:21
